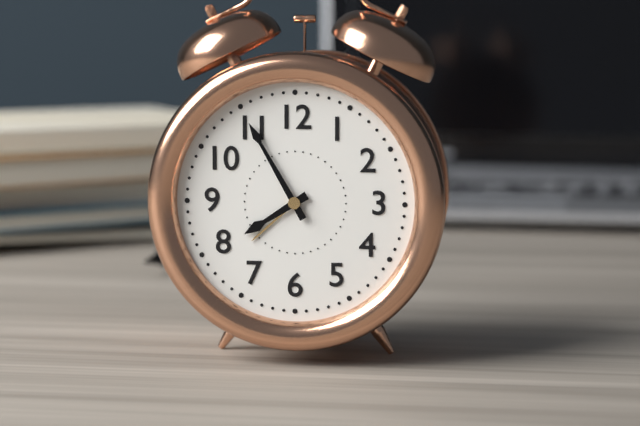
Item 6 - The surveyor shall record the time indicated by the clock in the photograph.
7:55
